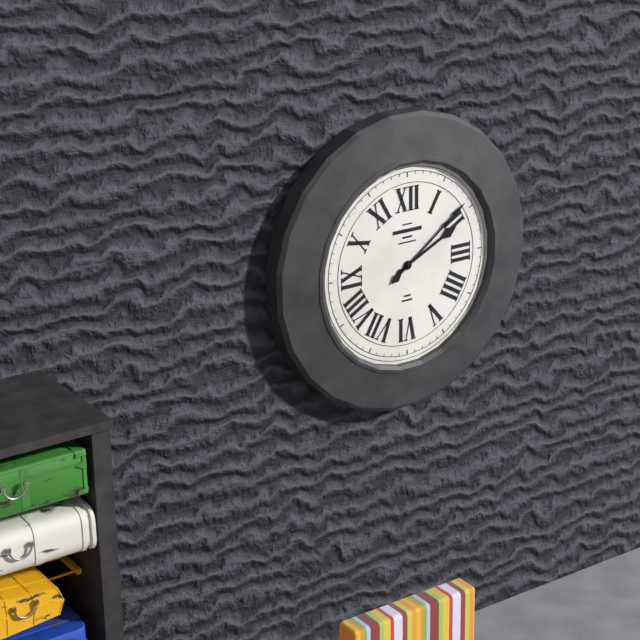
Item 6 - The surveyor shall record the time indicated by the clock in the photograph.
2:09
